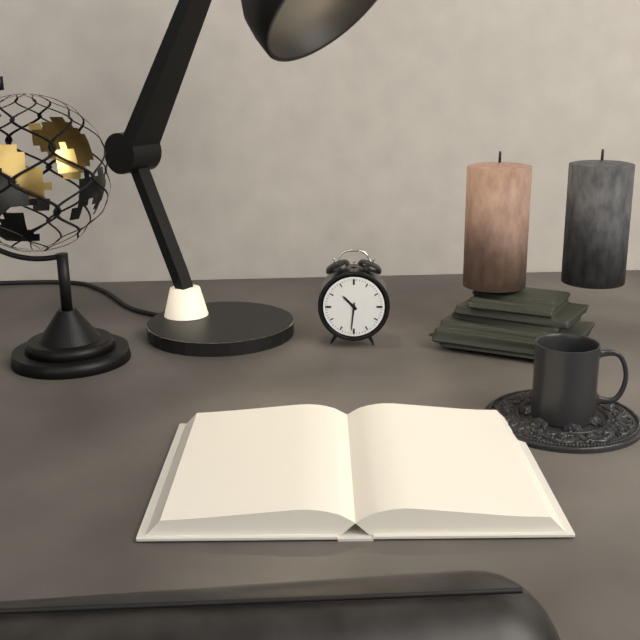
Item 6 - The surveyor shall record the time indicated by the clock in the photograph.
10:31
